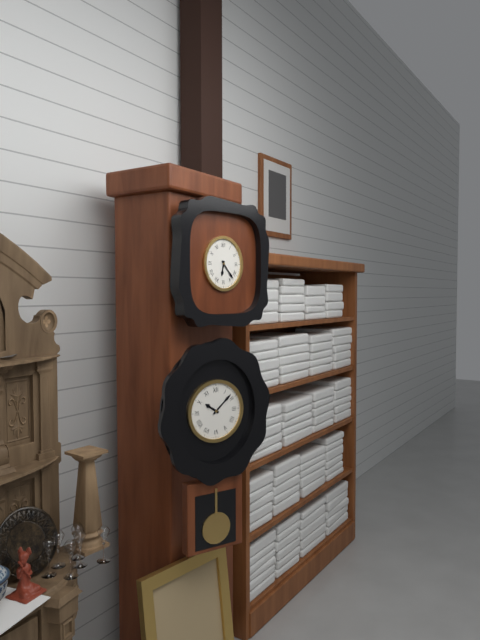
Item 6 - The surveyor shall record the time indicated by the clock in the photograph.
6:23
